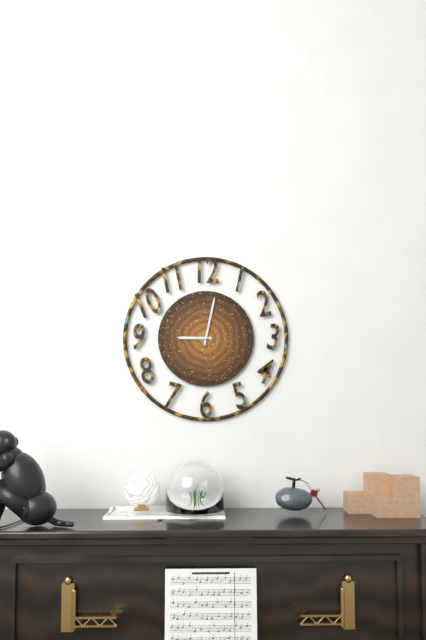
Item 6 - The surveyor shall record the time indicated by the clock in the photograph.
9:02
